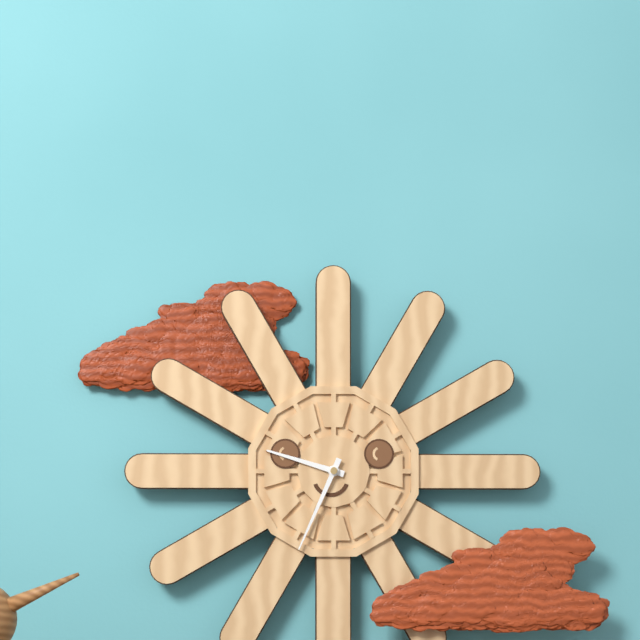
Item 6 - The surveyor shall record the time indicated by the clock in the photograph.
9:34
